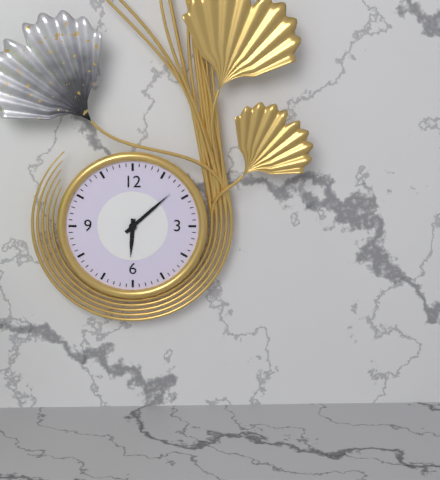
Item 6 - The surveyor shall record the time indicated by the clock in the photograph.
6:08
